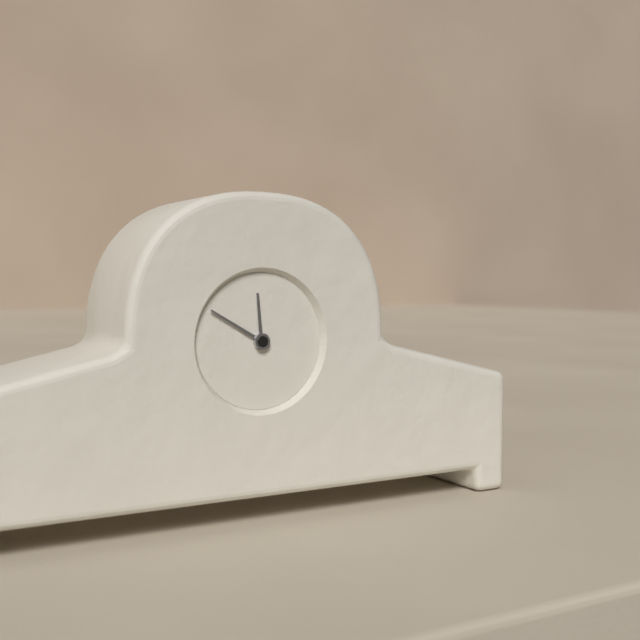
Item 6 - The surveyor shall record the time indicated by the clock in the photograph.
11:50
